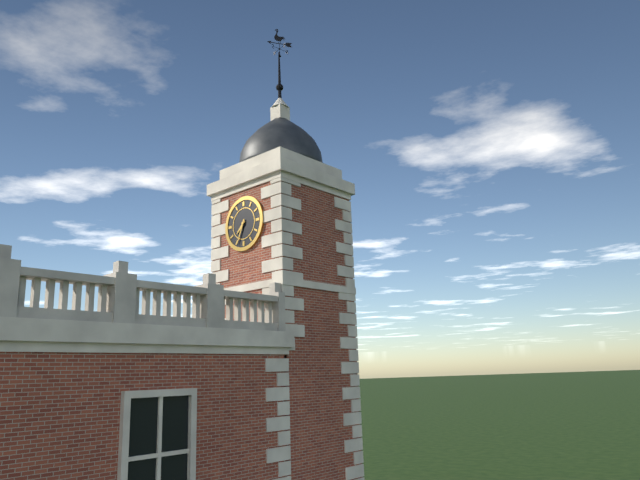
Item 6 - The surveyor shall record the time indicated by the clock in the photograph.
7:34
